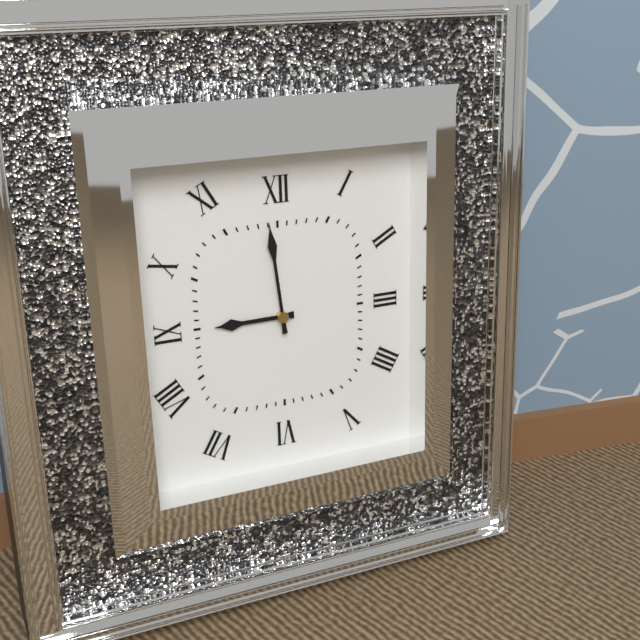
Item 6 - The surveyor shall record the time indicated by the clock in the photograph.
8:59
